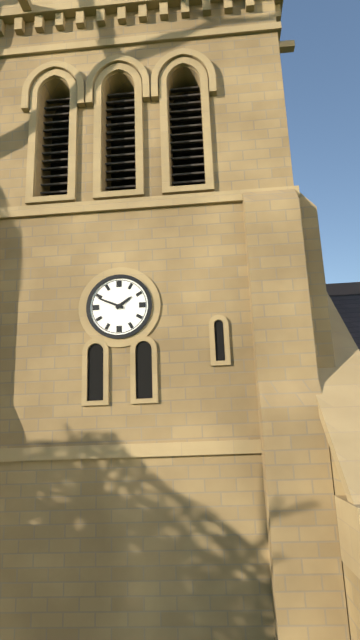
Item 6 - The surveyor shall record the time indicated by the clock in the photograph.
1:49
